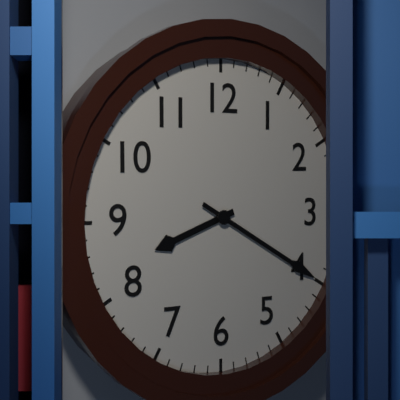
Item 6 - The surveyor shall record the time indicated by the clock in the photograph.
8:20
